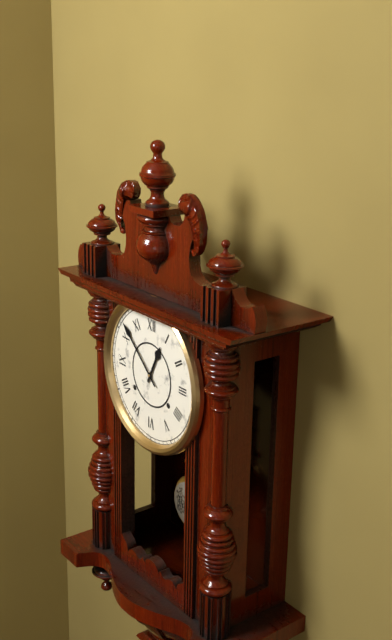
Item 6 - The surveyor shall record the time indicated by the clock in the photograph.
12:52
